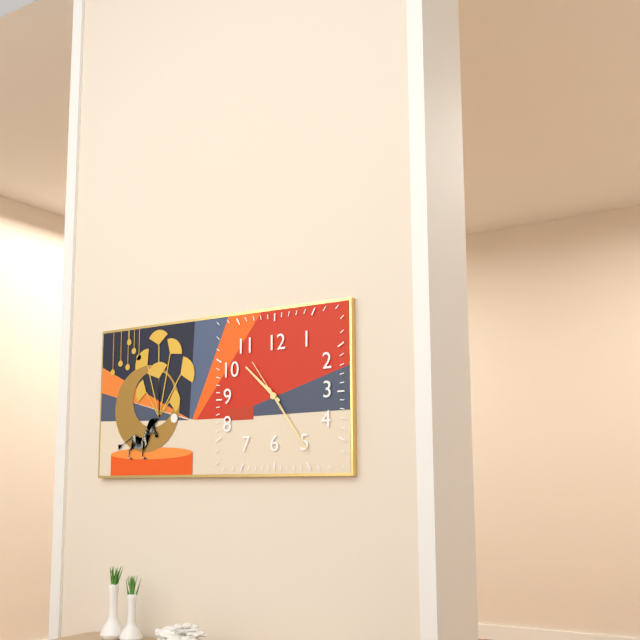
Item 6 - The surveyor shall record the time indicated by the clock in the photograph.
10:24
